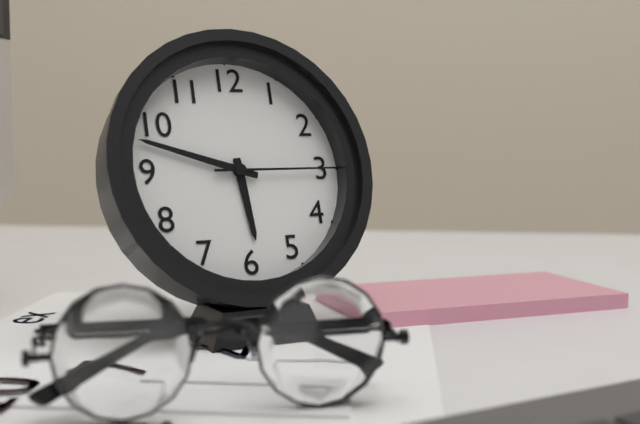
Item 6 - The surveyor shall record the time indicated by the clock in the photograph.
5:48:15
